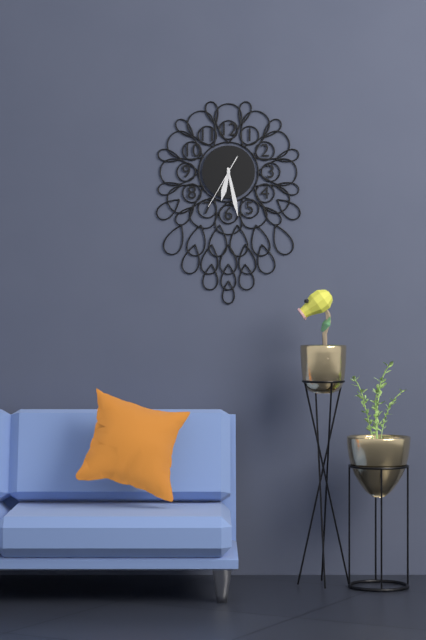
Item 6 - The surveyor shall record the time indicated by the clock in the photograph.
6:28
